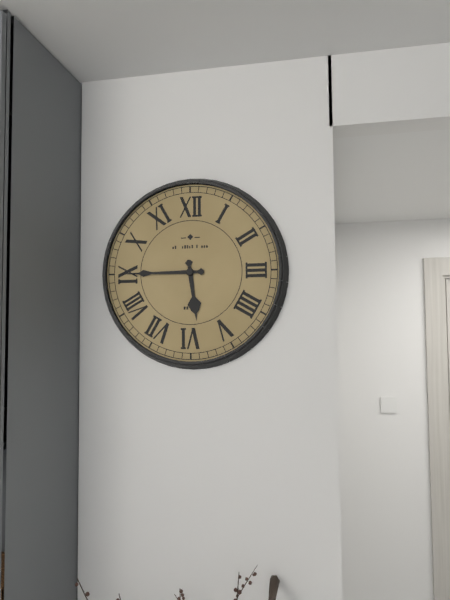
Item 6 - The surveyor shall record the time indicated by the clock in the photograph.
5:45
